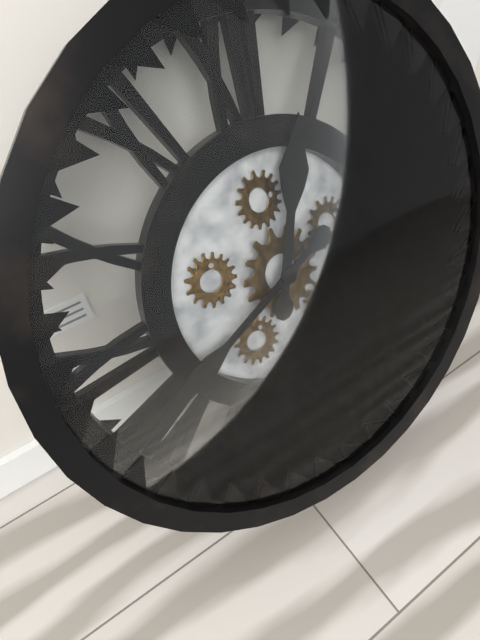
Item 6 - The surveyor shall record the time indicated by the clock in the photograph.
12:41
